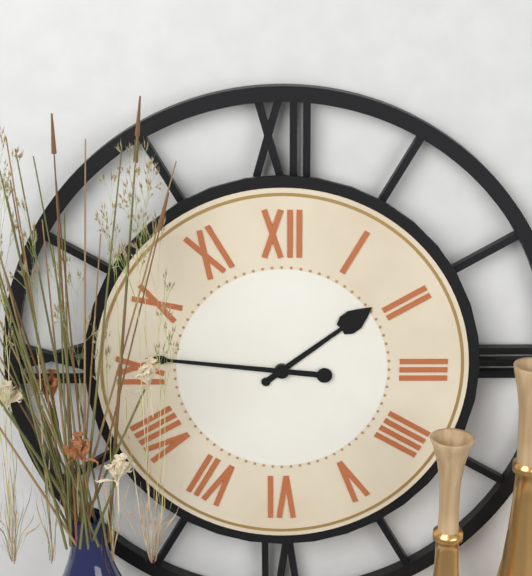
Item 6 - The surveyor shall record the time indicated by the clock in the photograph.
1:46
